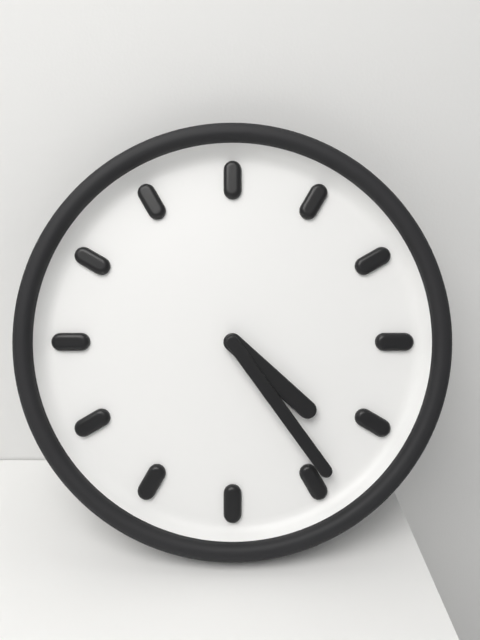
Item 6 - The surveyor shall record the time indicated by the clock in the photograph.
4:24
